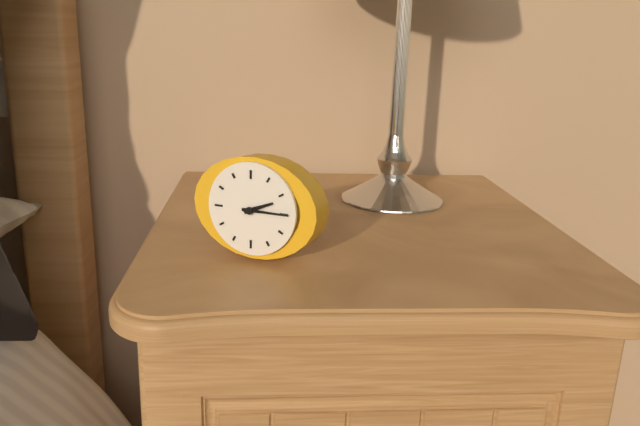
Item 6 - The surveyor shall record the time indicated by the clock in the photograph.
2:15
